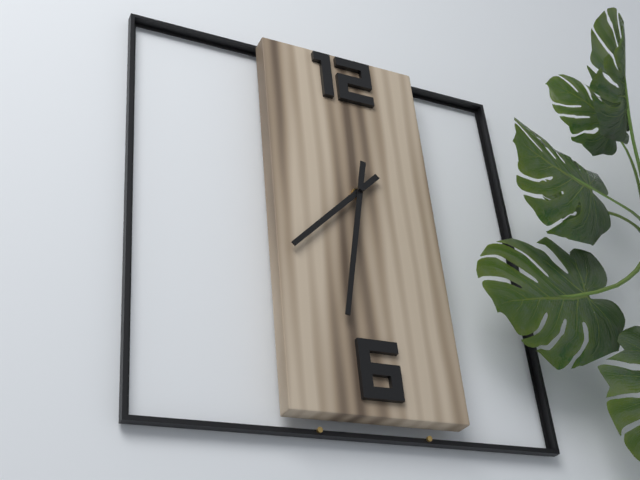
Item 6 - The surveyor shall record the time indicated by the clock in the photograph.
7:32
